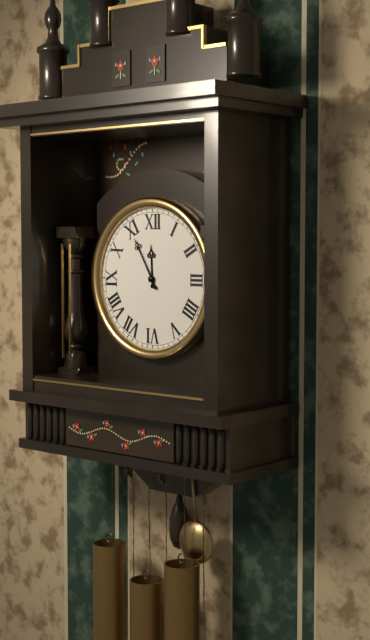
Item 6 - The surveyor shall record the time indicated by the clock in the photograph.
11:55
